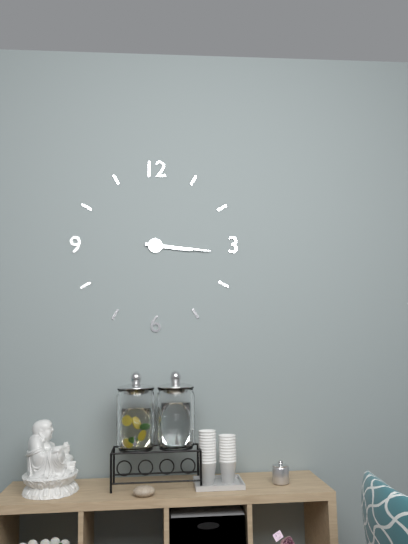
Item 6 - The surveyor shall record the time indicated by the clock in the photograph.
3:16
